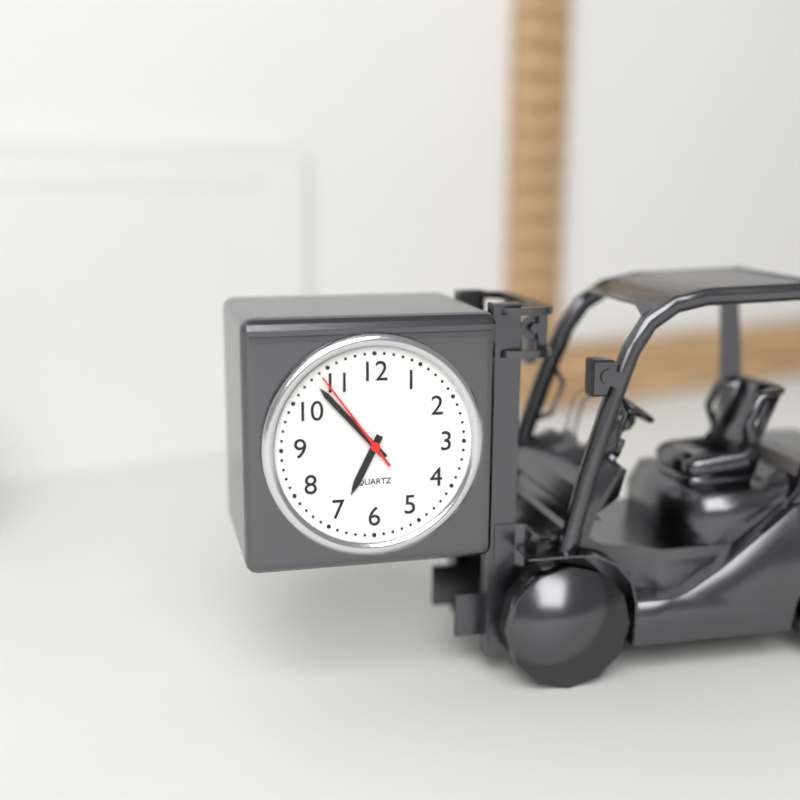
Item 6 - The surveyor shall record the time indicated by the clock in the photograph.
6:53:54
